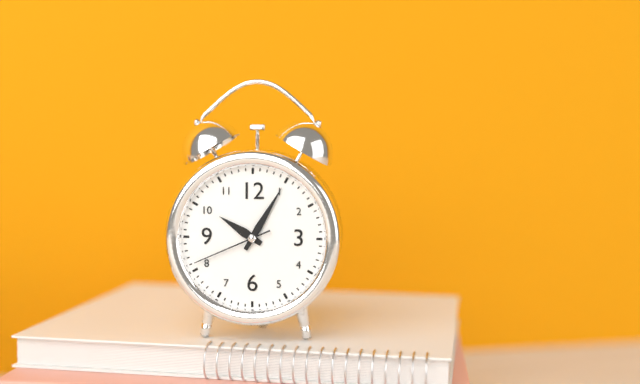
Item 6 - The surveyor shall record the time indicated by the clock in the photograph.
10:05:41
